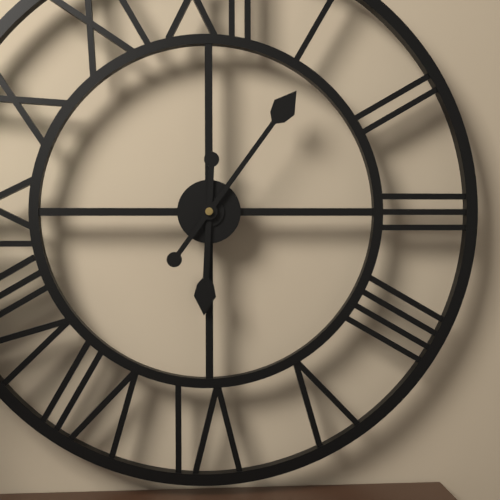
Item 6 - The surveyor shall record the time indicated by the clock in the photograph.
6:06
